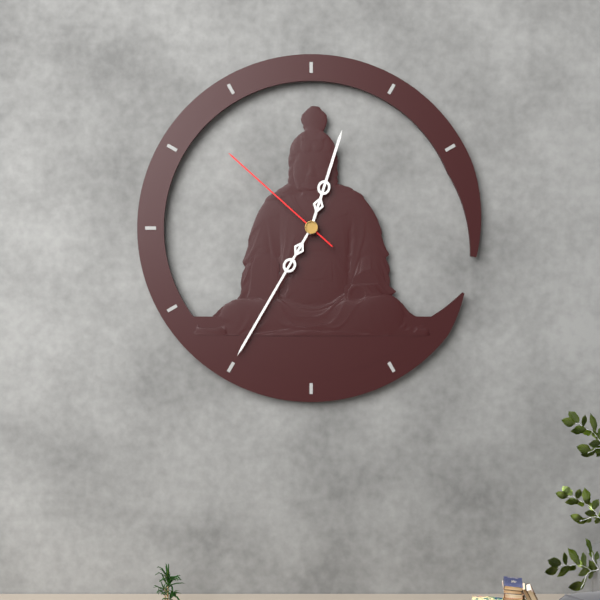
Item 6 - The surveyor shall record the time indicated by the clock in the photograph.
12:35:52
